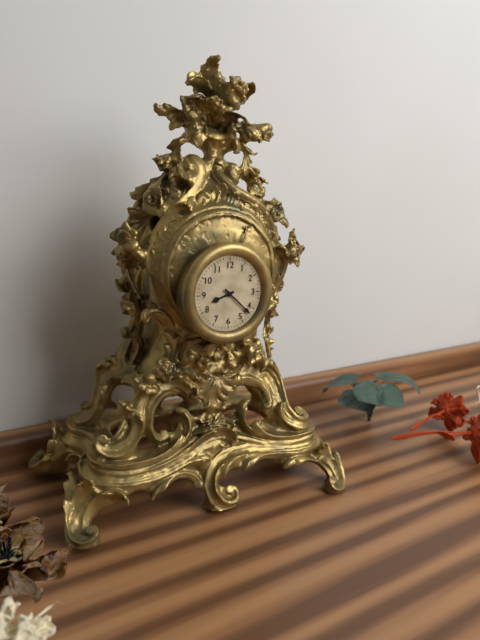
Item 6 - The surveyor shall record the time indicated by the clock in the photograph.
8:22
